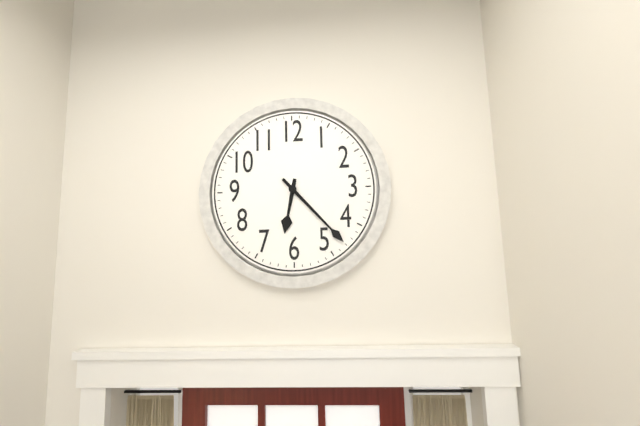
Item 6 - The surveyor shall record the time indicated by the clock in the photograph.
6:23
